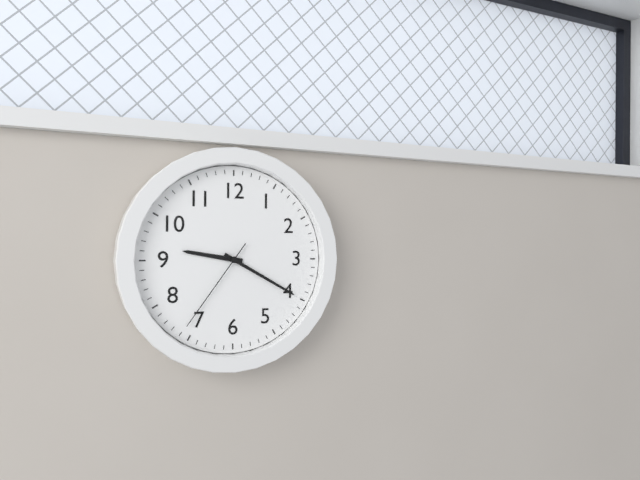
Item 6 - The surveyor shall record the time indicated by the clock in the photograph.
9:20:36
